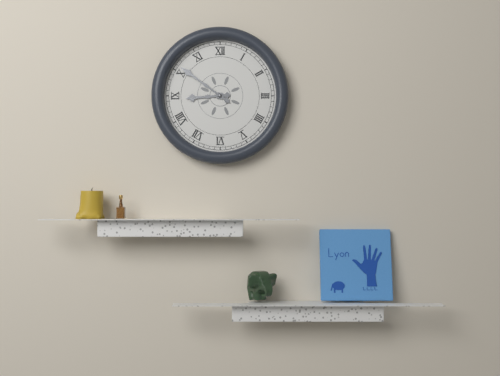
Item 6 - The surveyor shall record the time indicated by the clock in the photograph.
8:51
